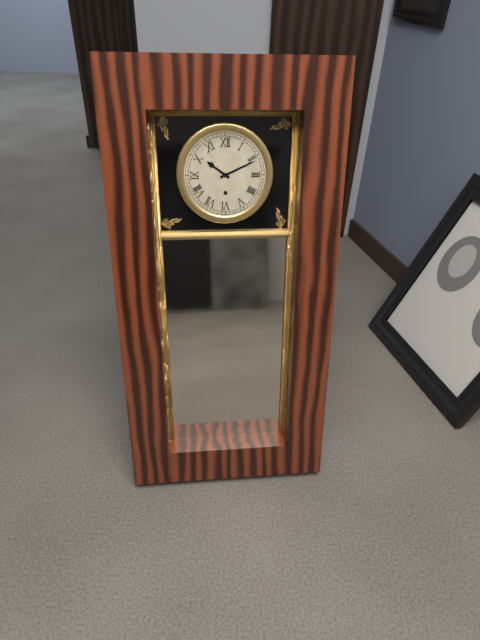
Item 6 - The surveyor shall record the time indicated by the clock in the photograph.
10:11
